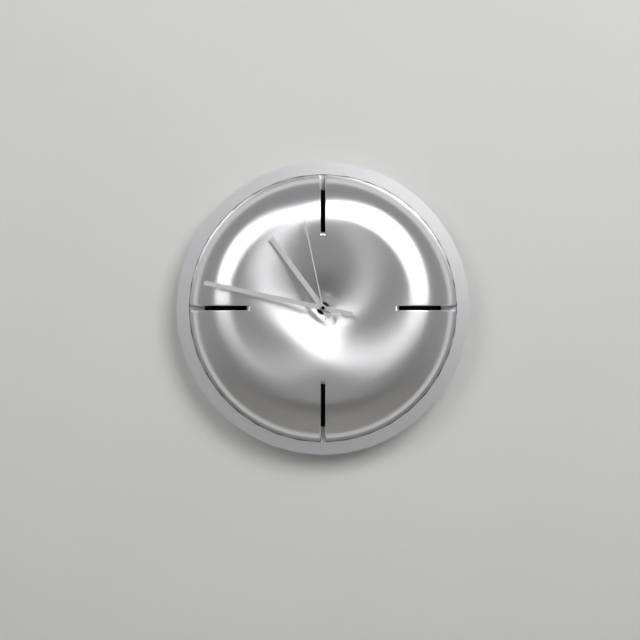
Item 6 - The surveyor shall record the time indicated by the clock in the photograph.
10:47:58
